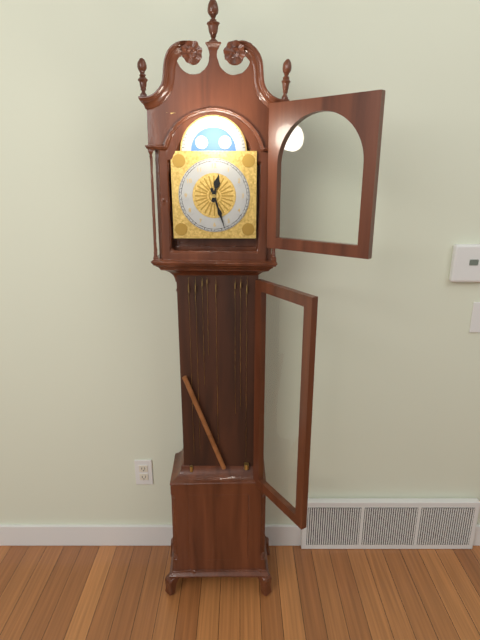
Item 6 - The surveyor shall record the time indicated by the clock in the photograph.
12:27
